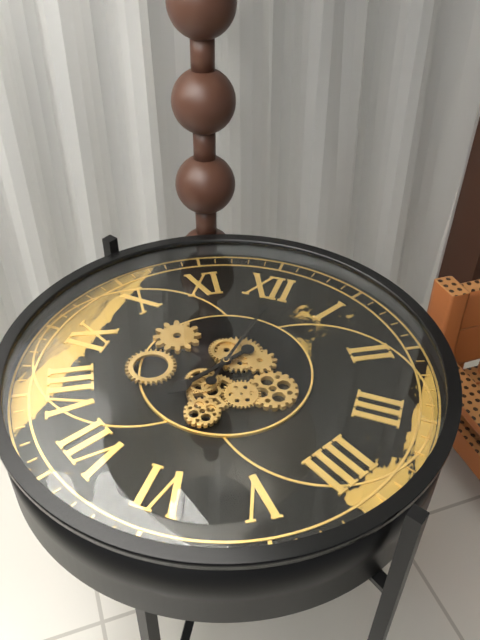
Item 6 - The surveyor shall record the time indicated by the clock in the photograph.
7:01
